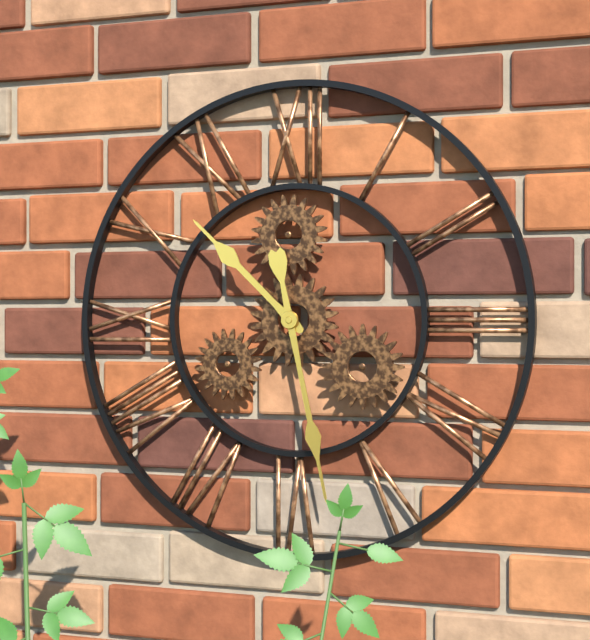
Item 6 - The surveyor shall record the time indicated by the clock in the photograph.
10:28
